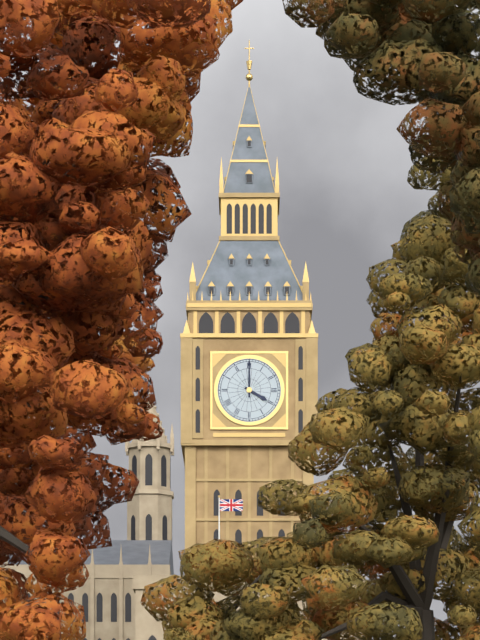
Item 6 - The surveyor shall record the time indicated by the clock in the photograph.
4:00
